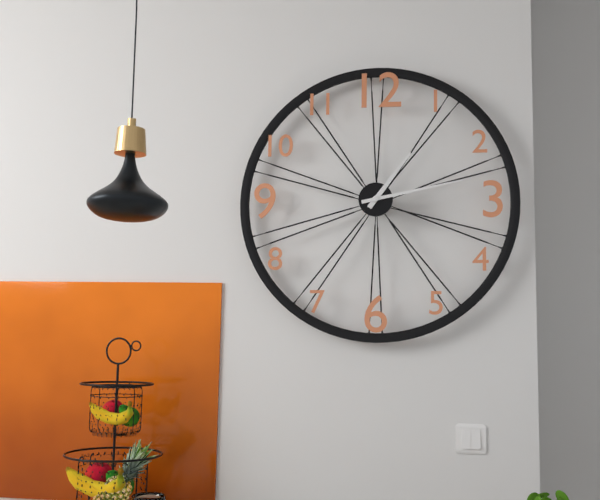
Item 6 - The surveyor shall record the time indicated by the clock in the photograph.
1:13
